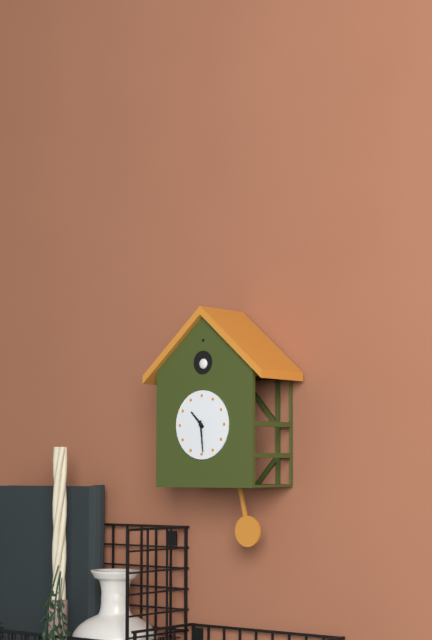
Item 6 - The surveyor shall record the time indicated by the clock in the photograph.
10:29
